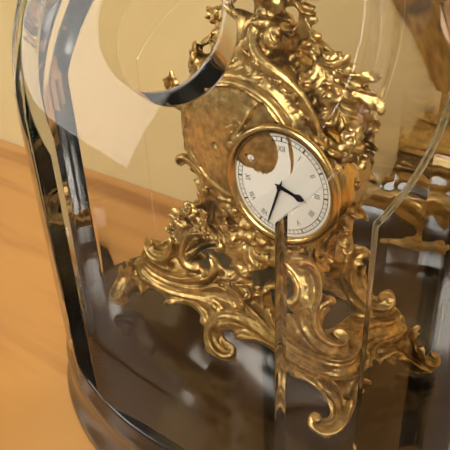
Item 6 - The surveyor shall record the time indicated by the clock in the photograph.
3:33
